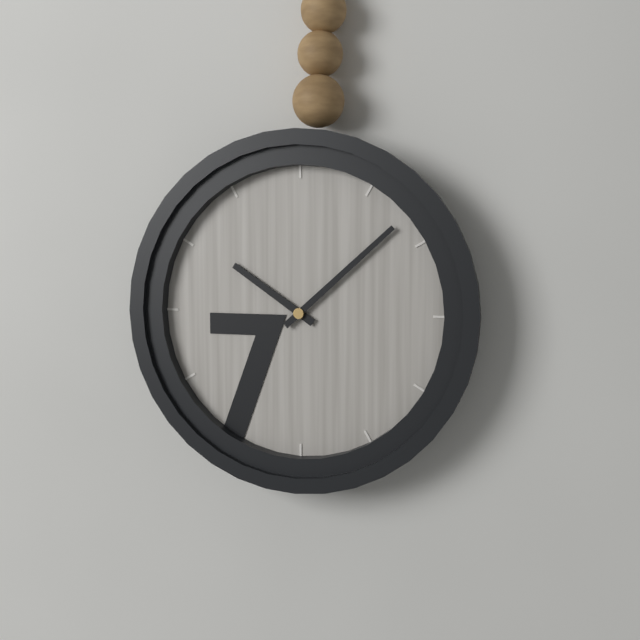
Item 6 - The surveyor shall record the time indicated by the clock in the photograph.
10:08
